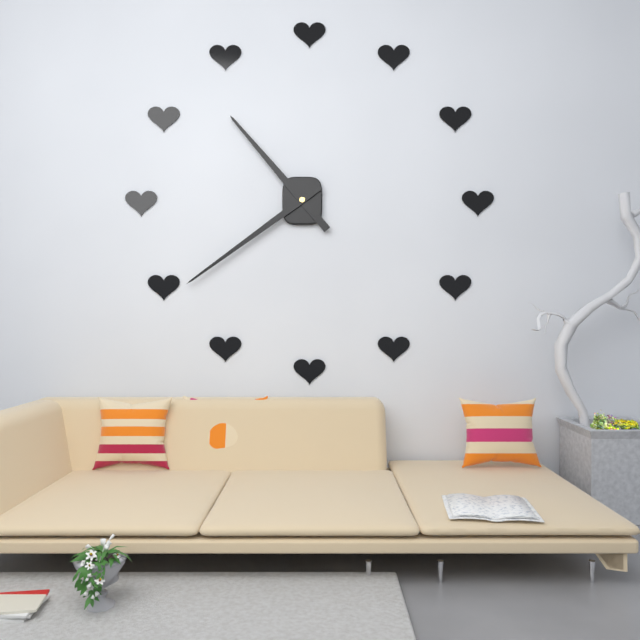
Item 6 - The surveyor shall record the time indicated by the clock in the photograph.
10:39
